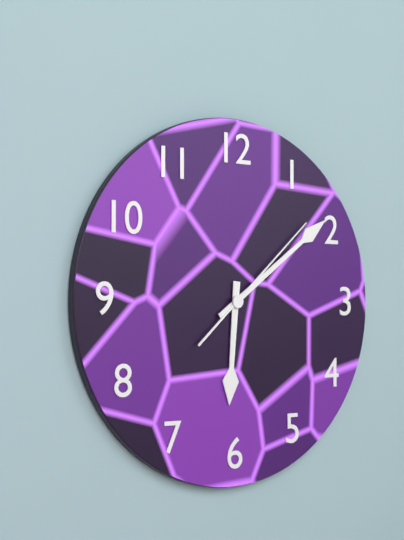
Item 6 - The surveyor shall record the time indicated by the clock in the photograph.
6:09:08
